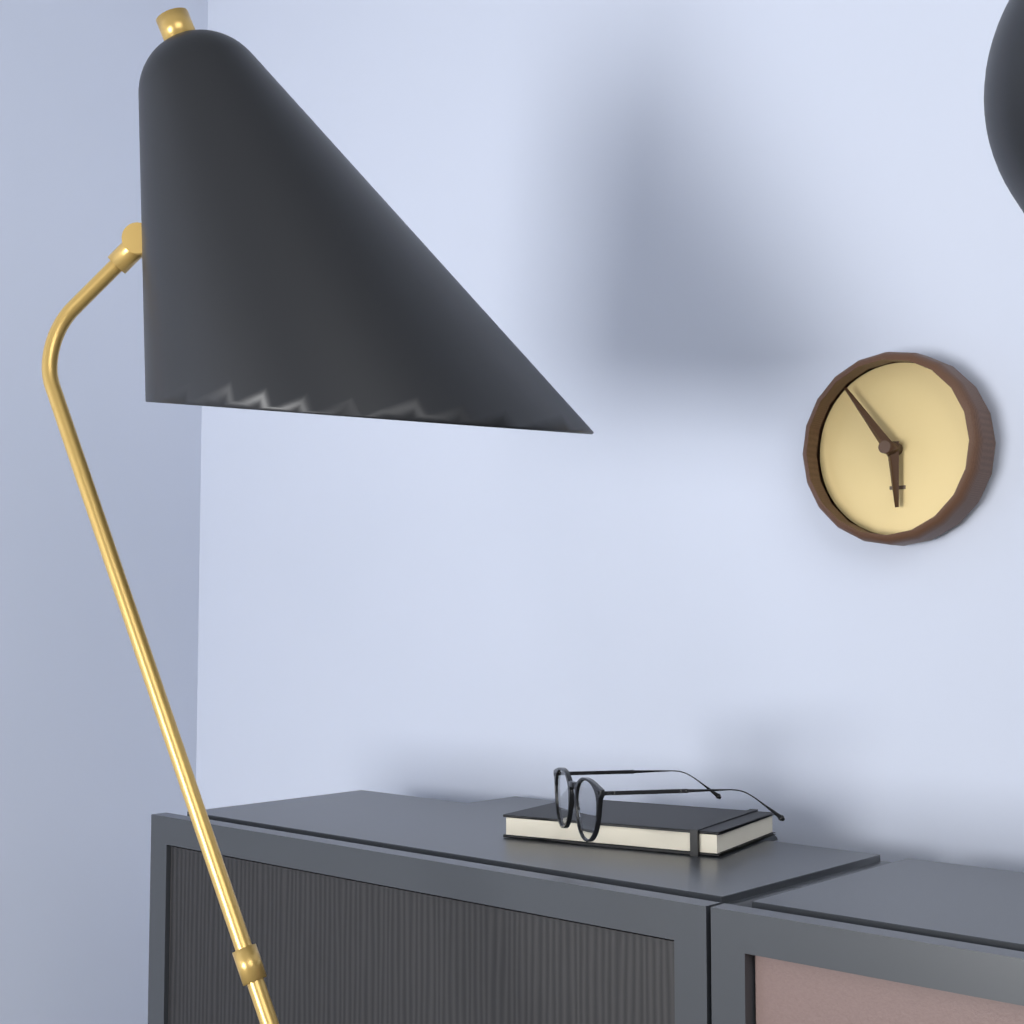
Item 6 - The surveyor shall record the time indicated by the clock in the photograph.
5:54
